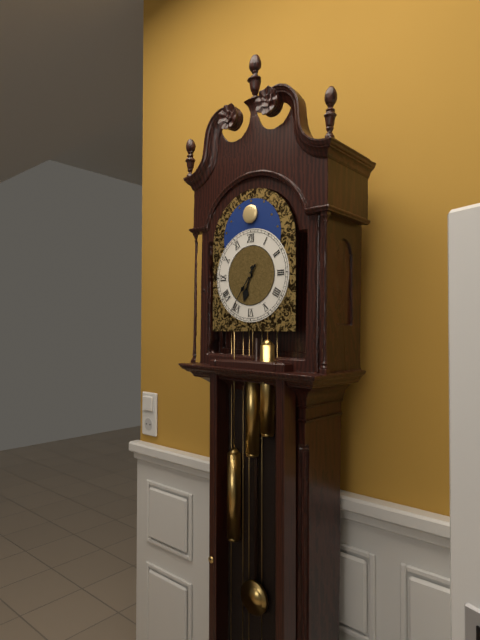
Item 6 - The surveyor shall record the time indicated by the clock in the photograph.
6:36
